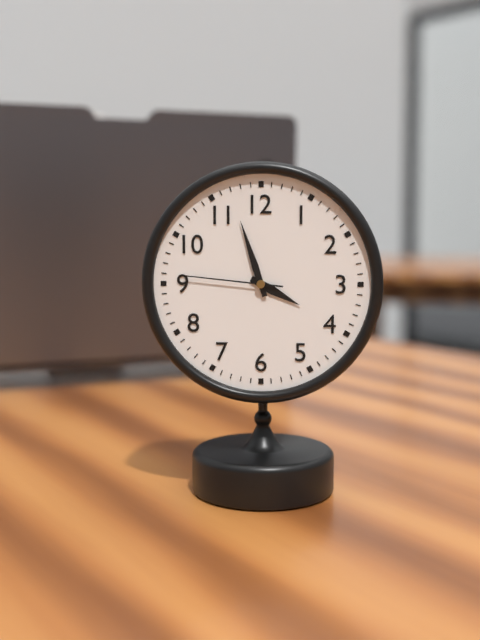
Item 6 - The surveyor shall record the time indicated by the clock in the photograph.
3:57:46
